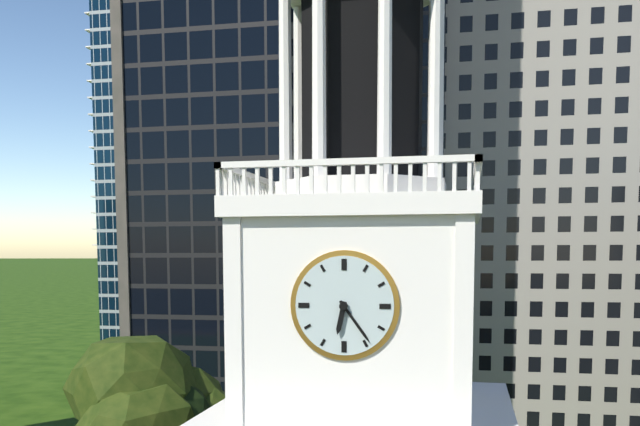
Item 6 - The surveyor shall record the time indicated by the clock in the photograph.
6:24
